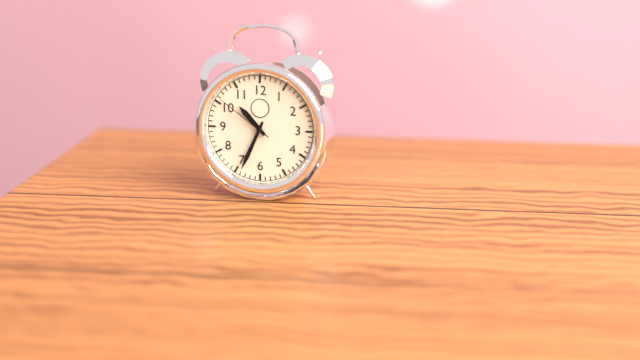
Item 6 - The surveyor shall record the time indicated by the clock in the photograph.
10:34:51
